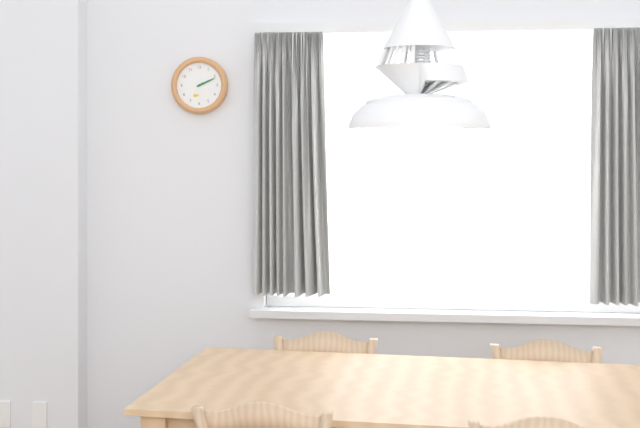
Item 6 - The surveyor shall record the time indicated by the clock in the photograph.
2:11
